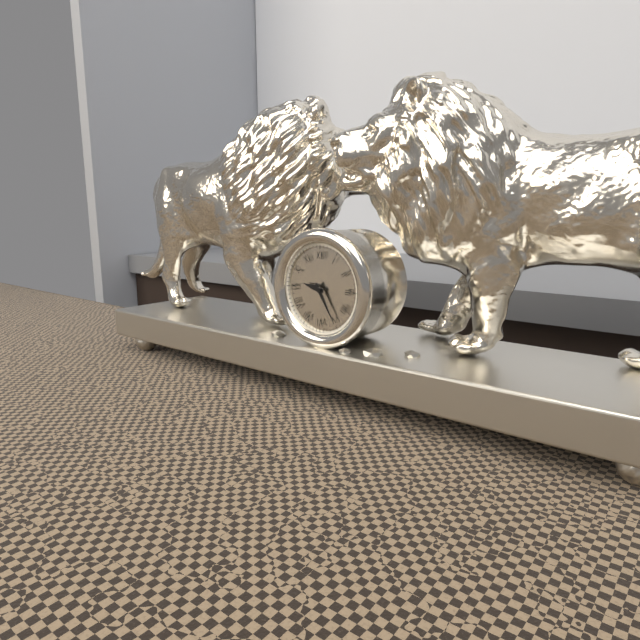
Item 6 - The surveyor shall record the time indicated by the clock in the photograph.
9:25
